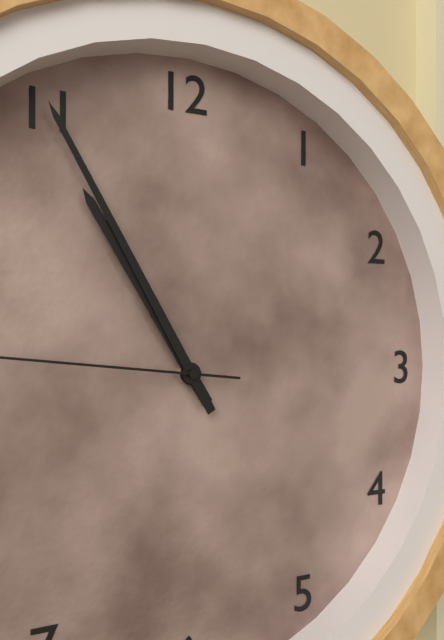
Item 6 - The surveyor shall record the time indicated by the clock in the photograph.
10:55
